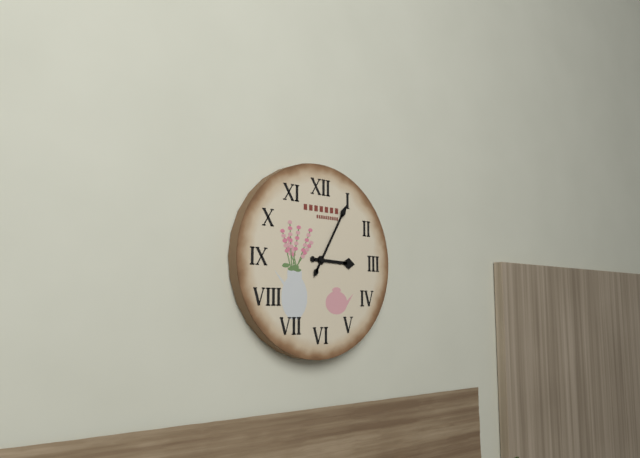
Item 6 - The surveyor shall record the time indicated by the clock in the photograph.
3:05
